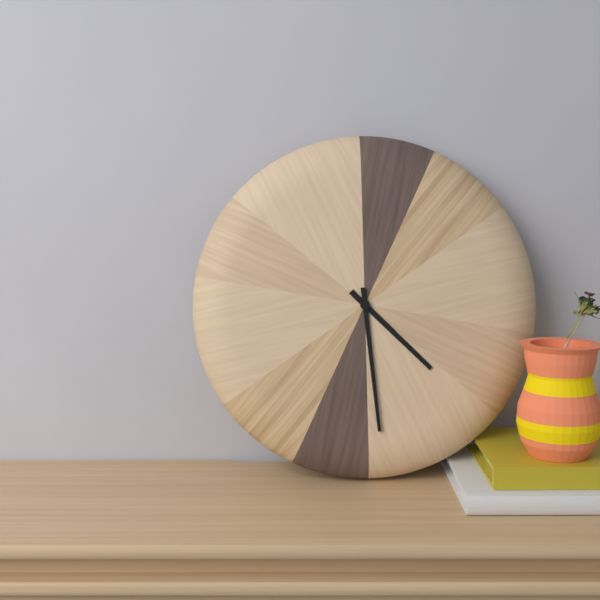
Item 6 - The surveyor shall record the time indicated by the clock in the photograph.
4:29
